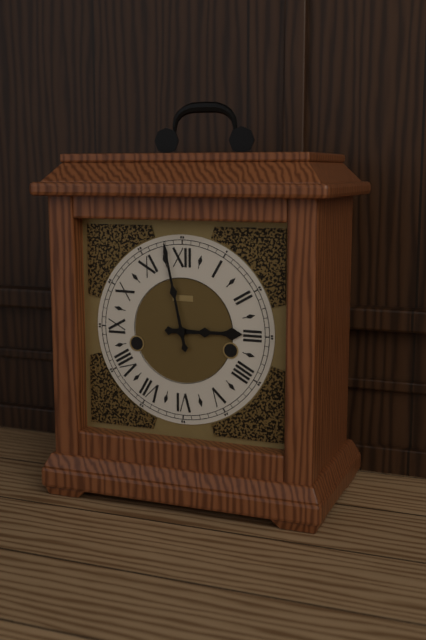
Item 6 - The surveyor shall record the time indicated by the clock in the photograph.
2:58
